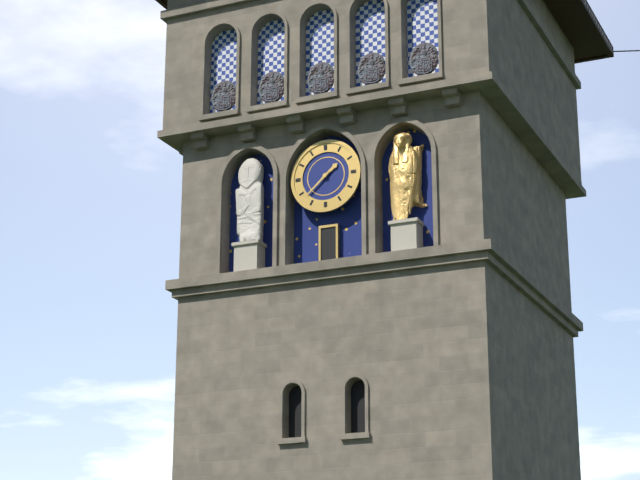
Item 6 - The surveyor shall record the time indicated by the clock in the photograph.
1:38
